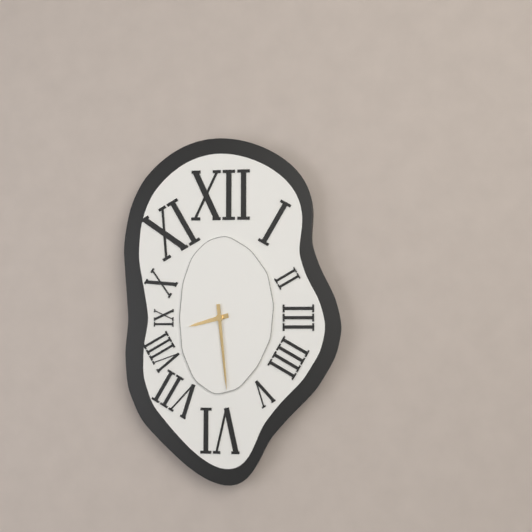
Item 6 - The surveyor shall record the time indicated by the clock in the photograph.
8:29
